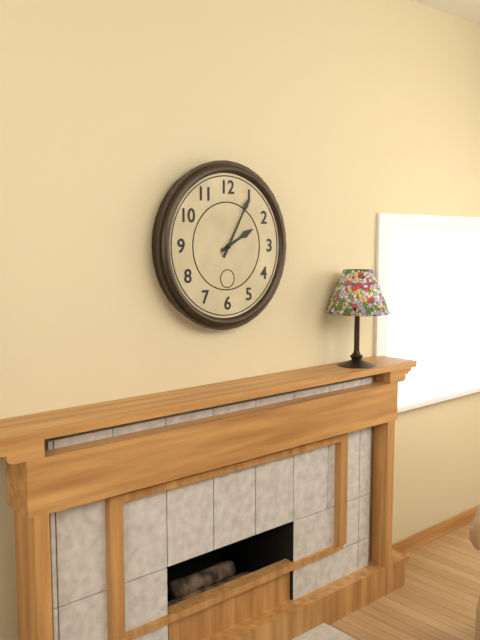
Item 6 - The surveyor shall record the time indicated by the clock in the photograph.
2:05
